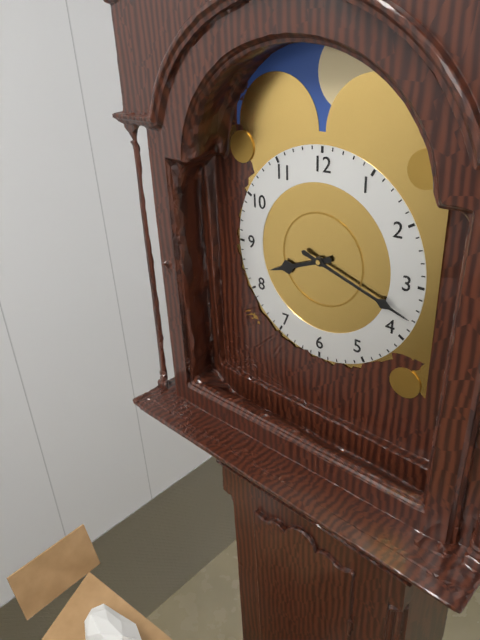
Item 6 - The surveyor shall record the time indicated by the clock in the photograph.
8:18
